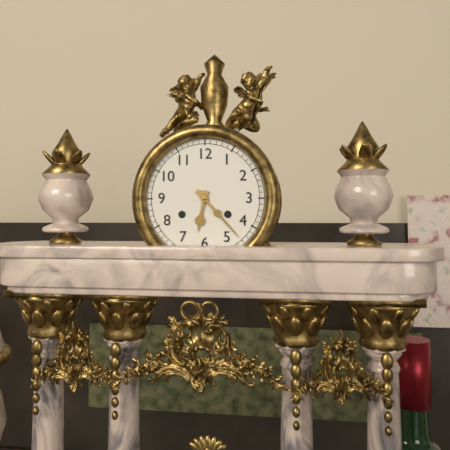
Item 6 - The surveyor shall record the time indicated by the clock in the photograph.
6:23
